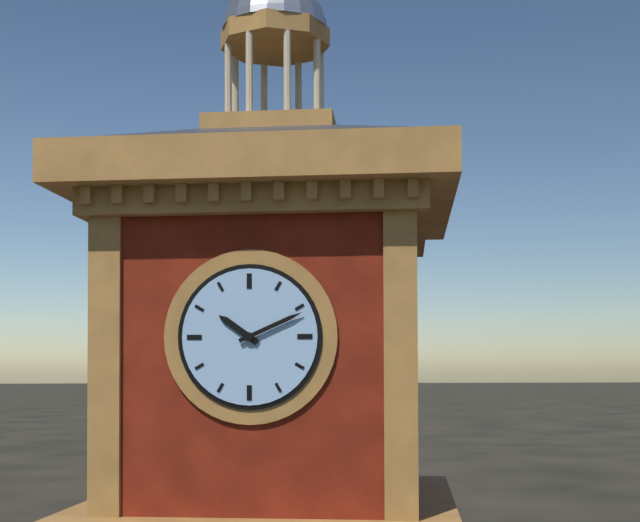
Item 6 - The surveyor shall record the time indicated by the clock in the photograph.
10:11
